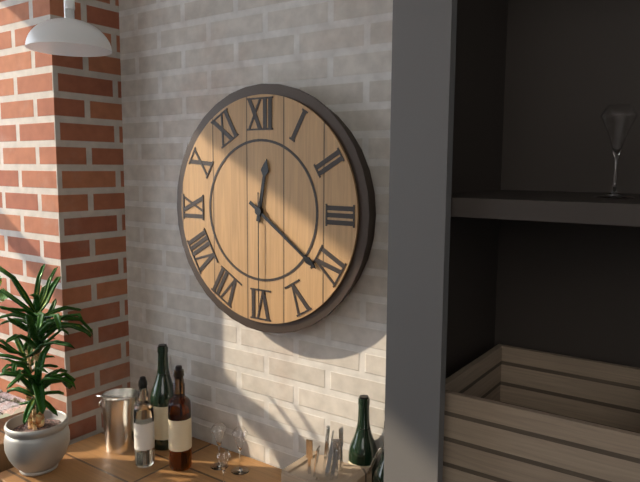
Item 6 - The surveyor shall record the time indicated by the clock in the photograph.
12:21:30
